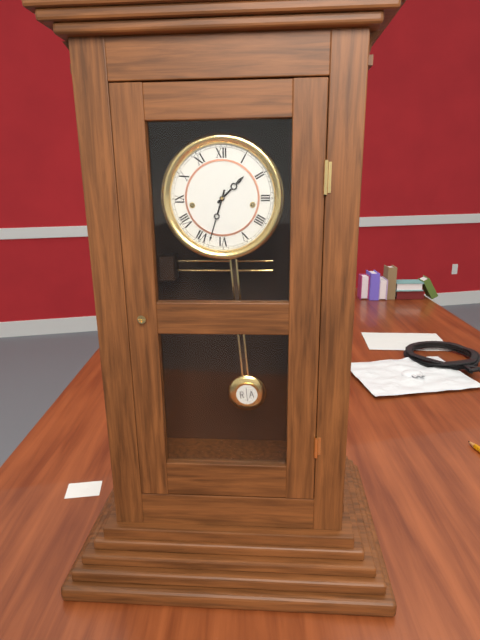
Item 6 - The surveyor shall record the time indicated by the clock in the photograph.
1:33
